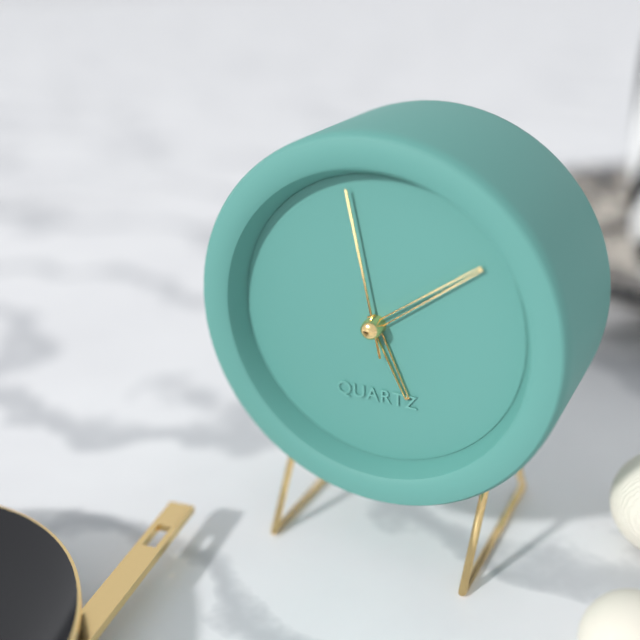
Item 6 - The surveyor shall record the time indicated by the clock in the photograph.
5:09:58
